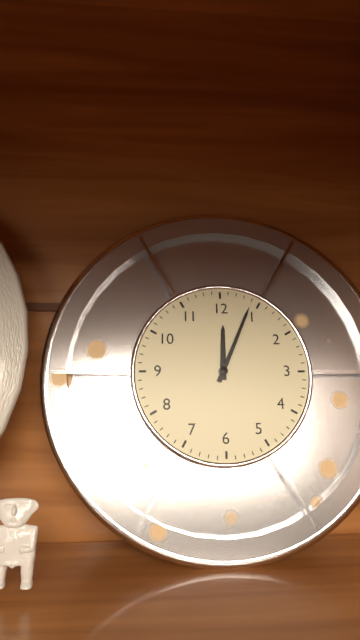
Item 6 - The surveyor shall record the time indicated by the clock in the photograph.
12:04
